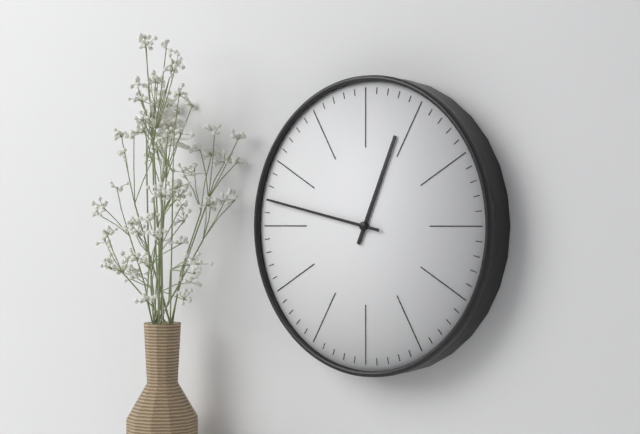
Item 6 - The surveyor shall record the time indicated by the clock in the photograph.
12:47
